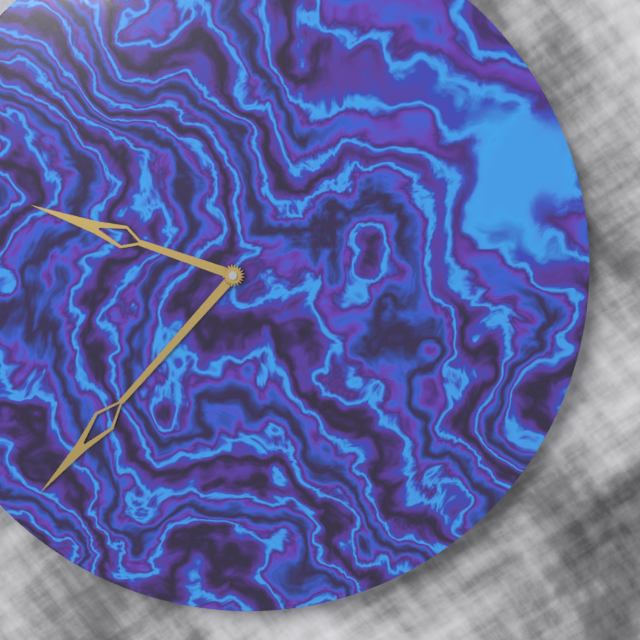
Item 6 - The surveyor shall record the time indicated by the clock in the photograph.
9:37
